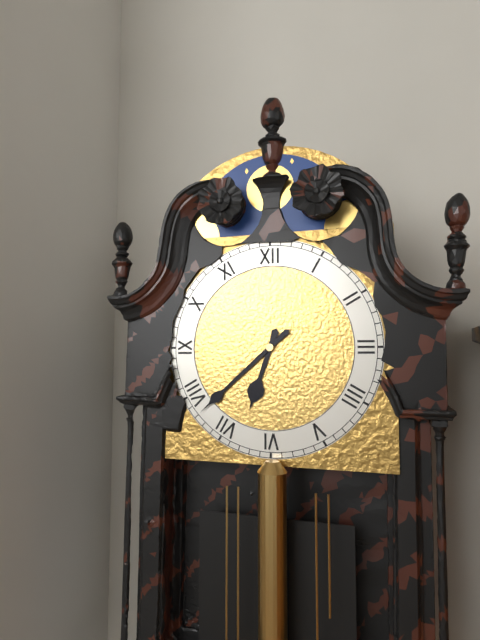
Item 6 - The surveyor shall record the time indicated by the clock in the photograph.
6:38
